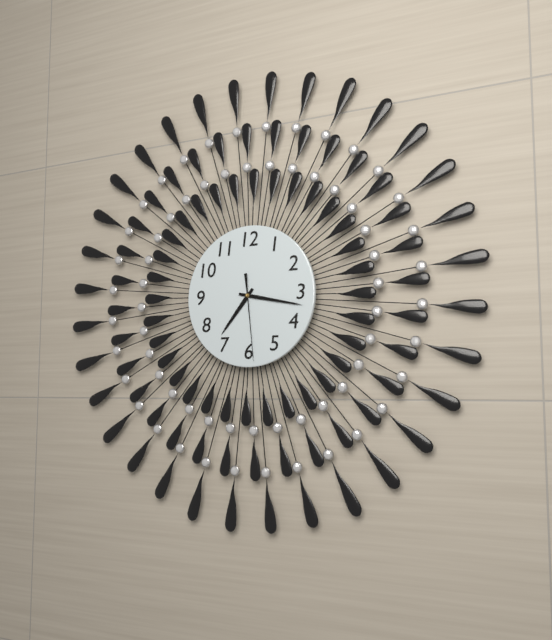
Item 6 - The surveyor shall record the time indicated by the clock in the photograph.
7:17:29
